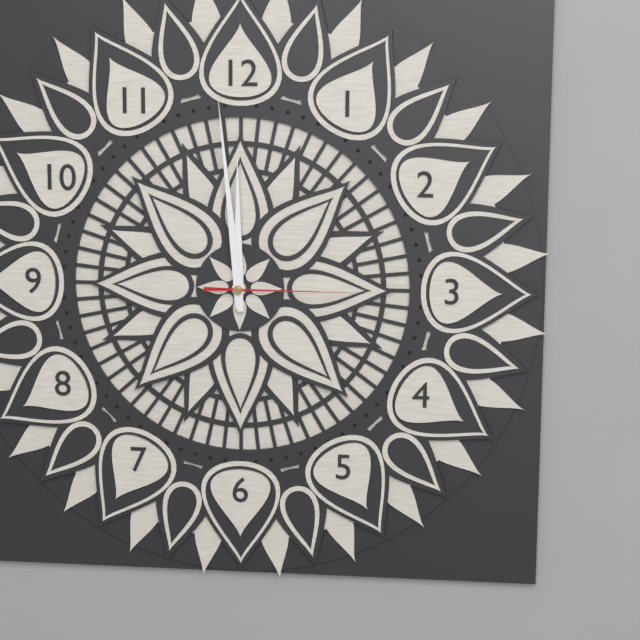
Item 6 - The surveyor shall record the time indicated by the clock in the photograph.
11:59:15
